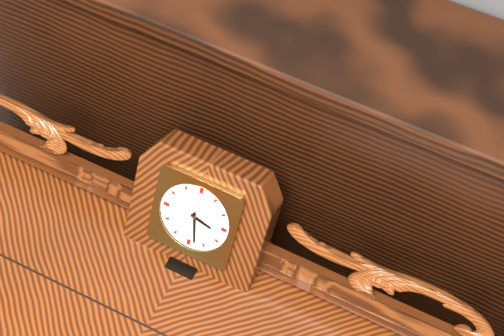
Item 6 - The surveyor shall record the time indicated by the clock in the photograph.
3:28
